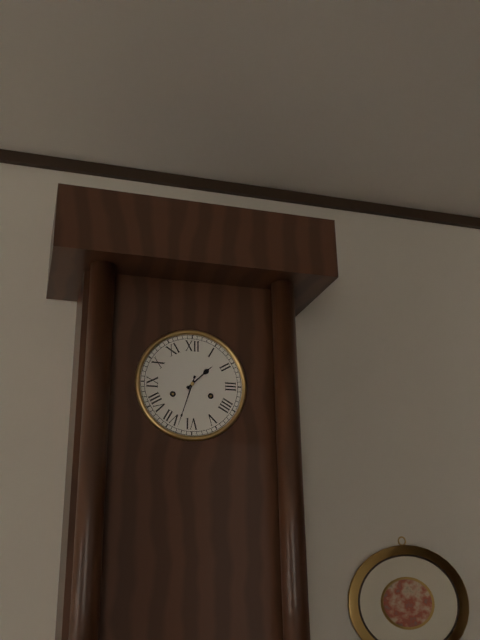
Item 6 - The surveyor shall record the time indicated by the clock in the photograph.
1:33
